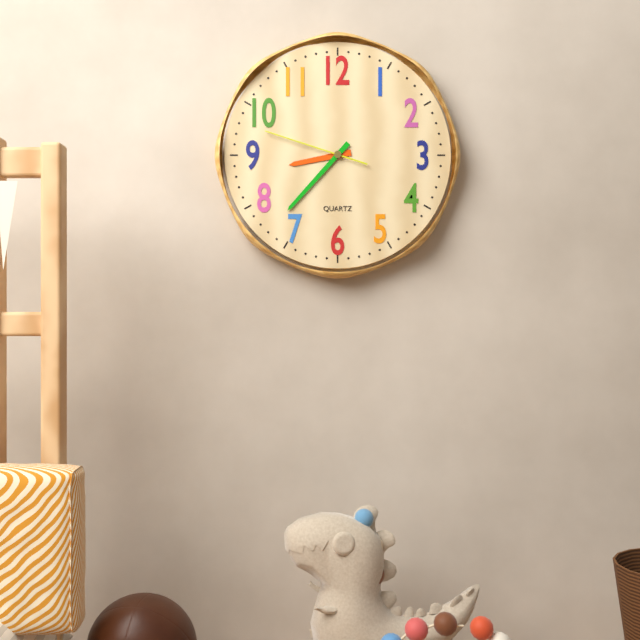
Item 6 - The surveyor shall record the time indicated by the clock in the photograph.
8:37:48
